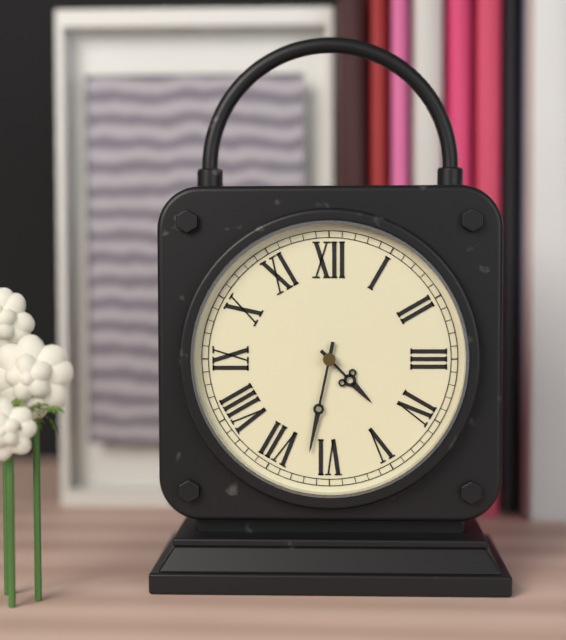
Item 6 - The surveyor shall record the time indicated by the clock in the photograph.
4:32
